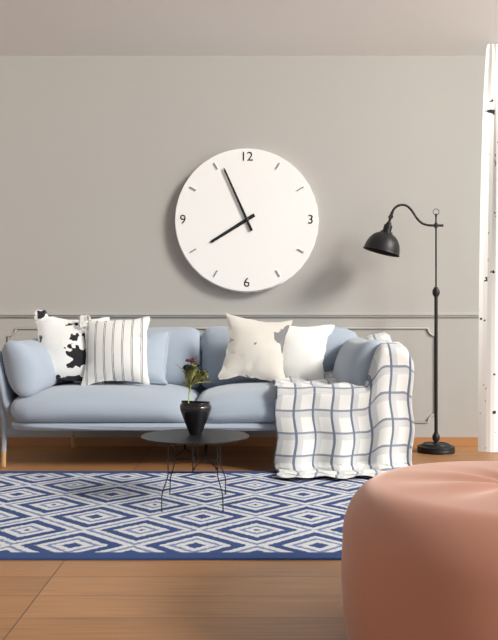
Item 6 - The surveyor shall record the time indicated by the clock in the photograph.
7:56
